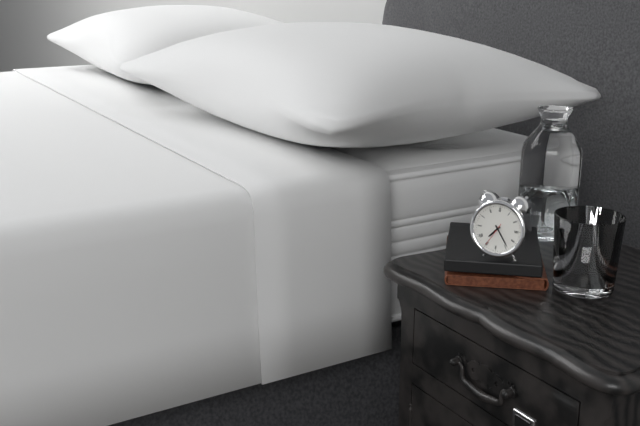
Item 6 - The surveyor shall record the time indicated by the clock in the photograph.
7:24
